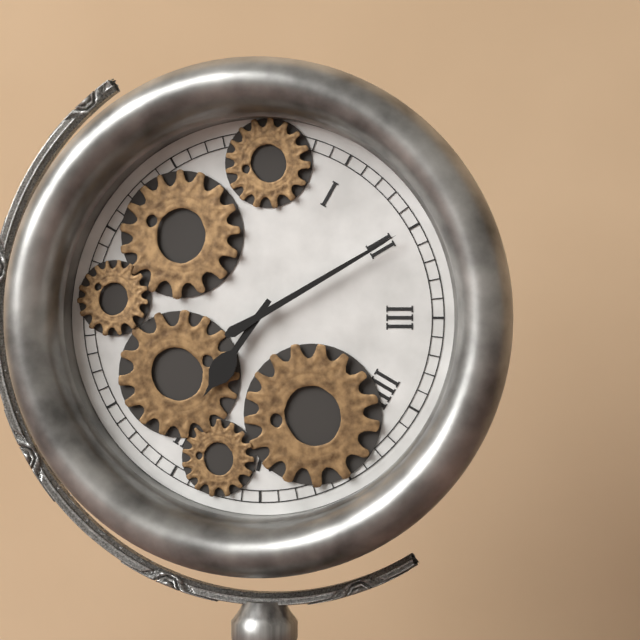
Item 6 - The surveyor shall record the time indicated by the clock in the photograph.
7:10
